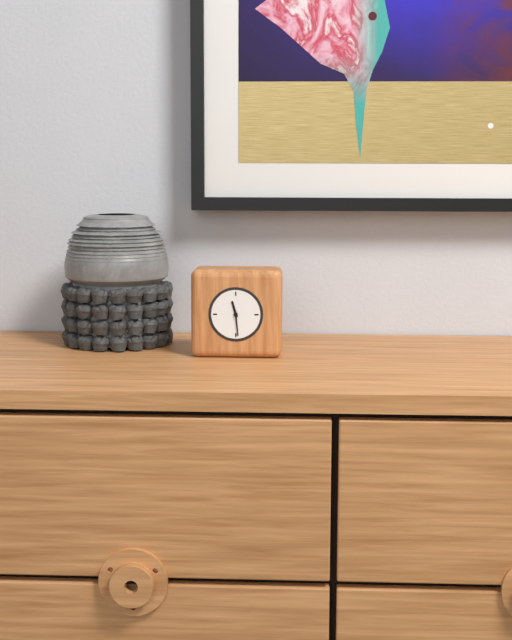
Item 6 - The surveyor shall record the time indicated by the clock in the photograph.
11:29
